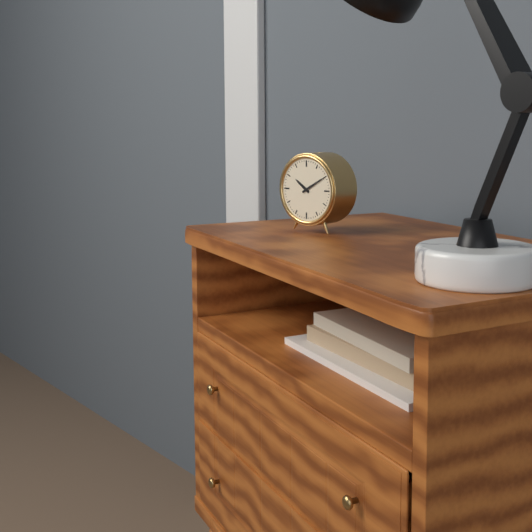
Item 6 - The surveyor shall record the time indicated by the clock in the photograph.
10:10
